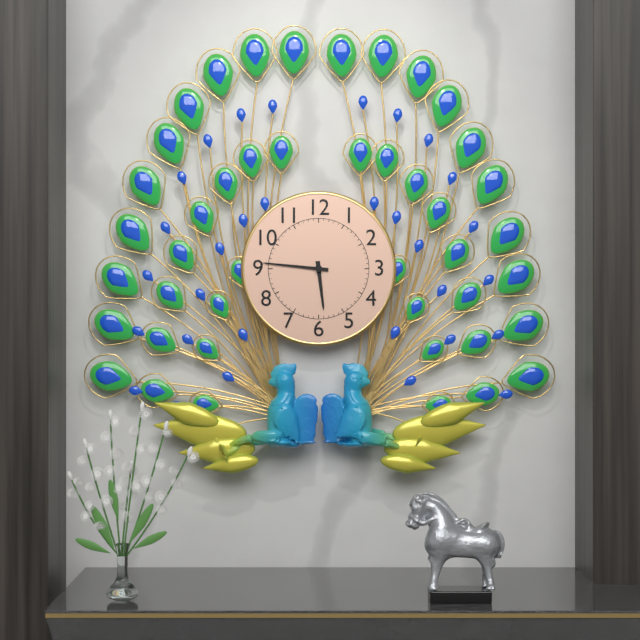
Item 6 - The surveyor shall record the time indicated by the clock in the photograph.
5:46
